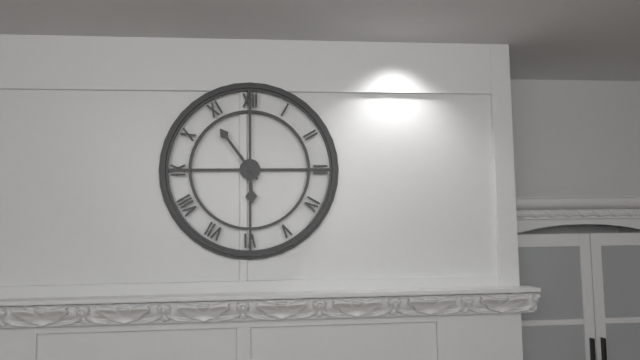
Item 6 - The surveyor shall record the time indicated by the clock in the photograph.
5:54
